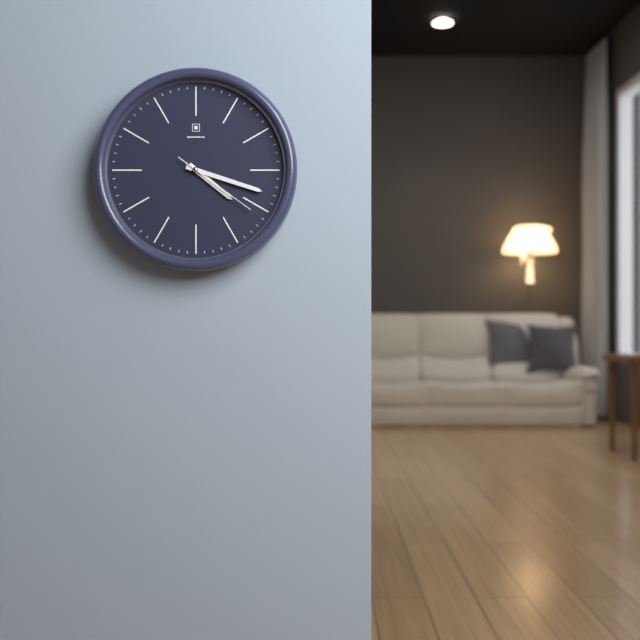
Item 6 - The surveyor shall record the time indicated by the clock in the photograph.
4:18:21
